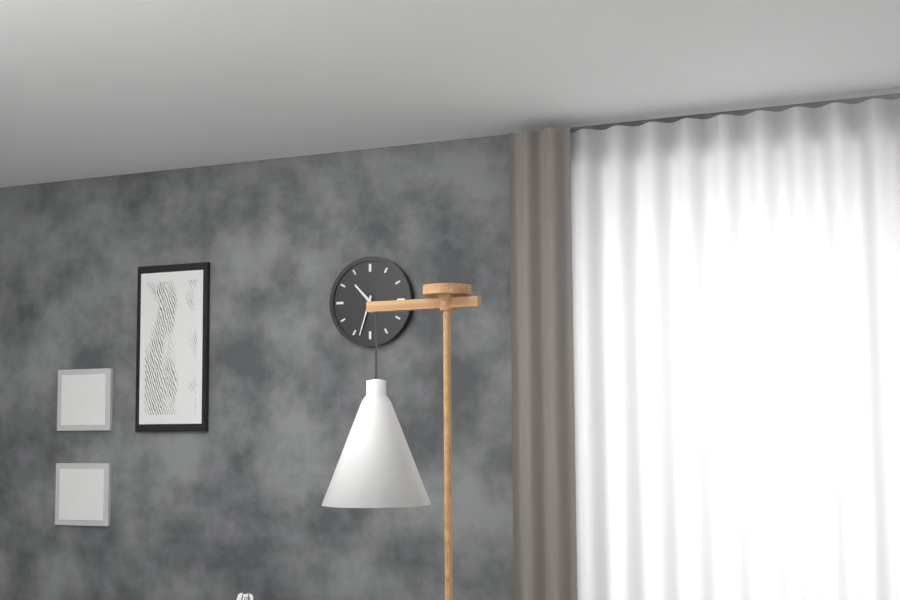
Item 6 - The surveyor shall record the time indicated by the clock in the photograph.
10:33
